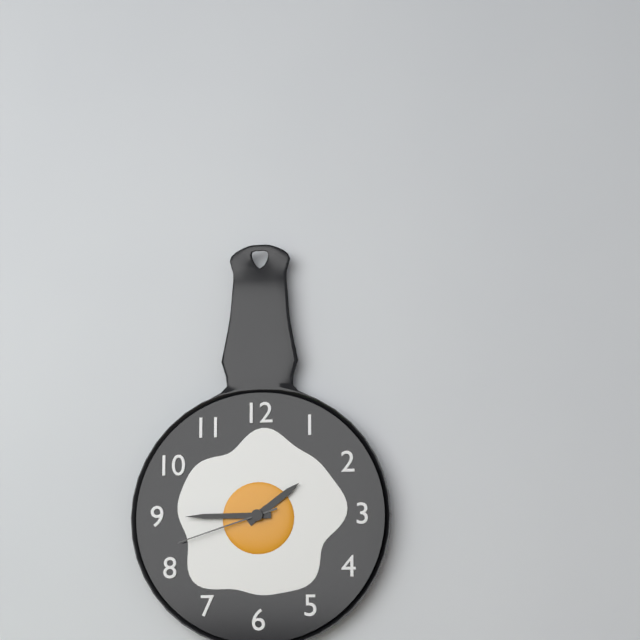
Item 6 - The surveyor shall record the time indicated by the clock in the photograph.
1:45:42
